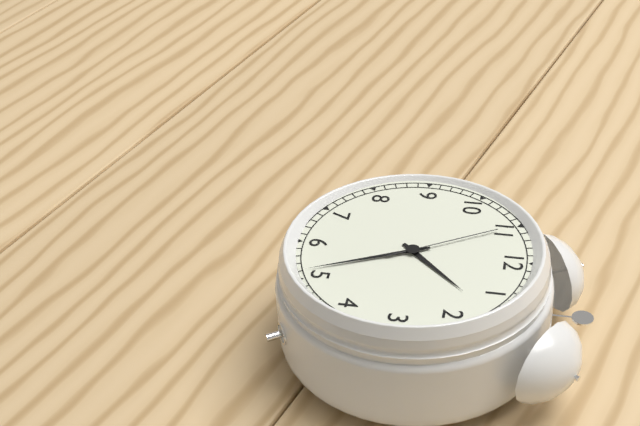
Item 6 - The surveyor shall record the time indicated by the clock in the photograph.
1:26:55
